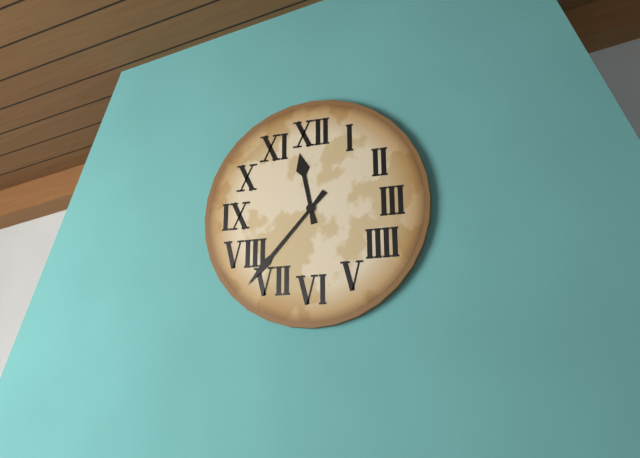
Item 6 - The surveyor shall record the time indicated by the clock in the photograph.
11:37
